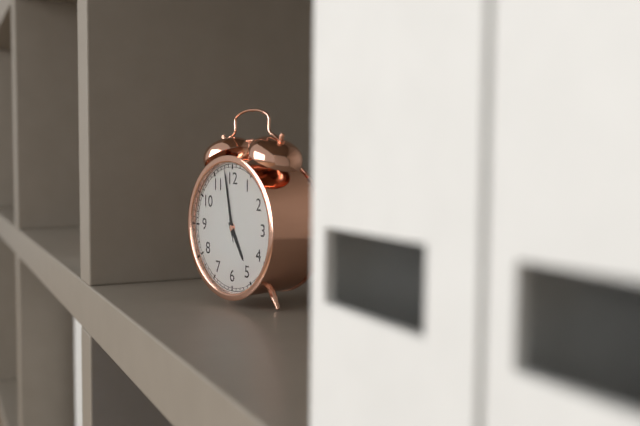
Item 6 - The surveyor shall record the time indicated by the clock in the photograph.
4:58:58
